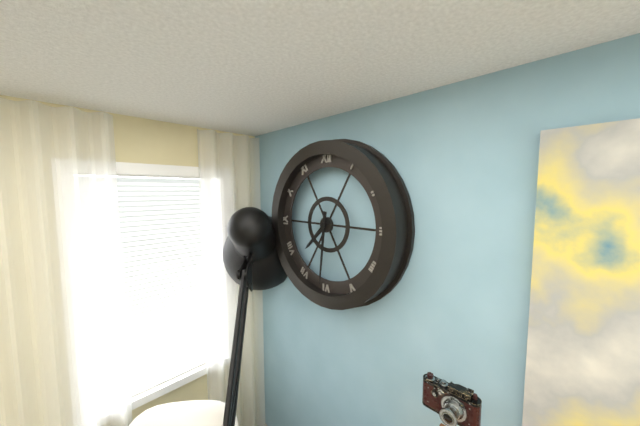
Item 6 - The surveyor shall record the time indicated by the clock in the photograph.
7:31
